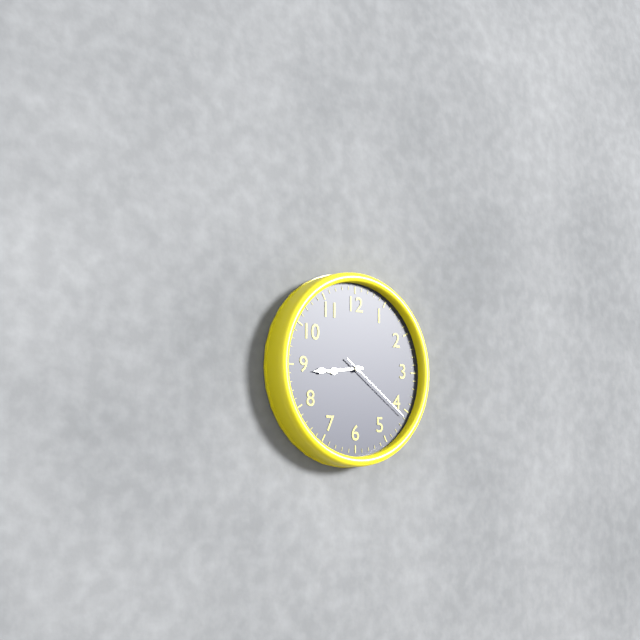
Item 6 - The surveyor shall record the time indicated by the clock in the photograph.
8:44:21
